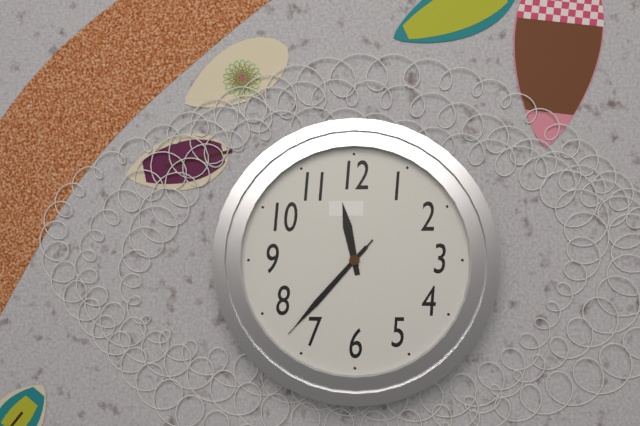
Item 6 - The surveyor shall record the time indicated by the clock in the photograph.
11:37:37
